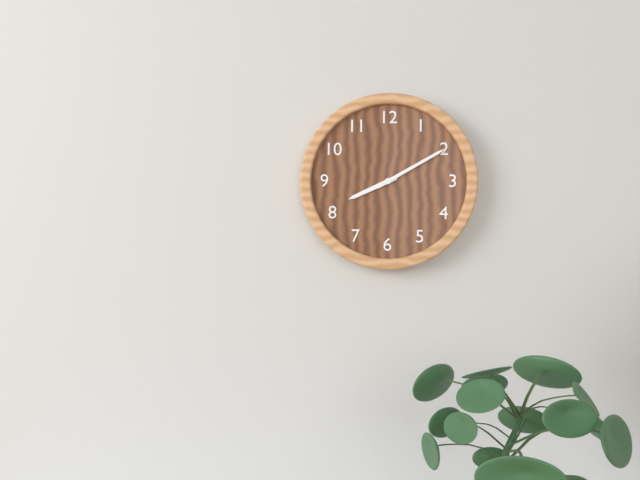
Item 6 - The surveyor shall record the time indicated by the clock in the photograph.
8:10
